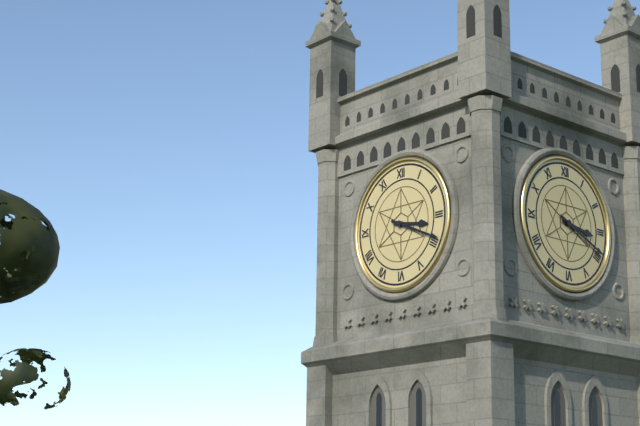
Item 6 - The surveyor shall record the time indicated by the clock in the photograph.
3:19
